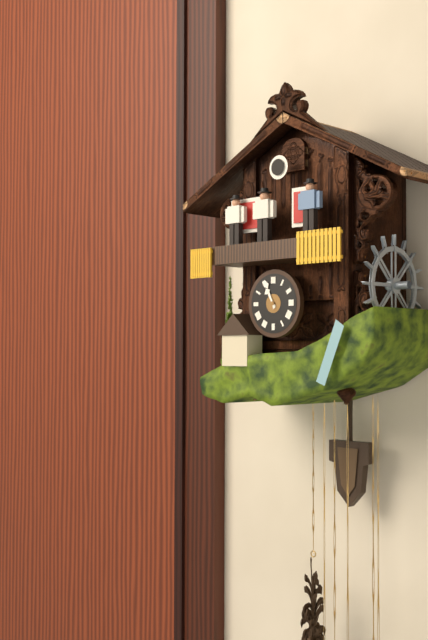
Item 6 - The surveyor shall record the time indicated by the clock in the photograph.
10:56
